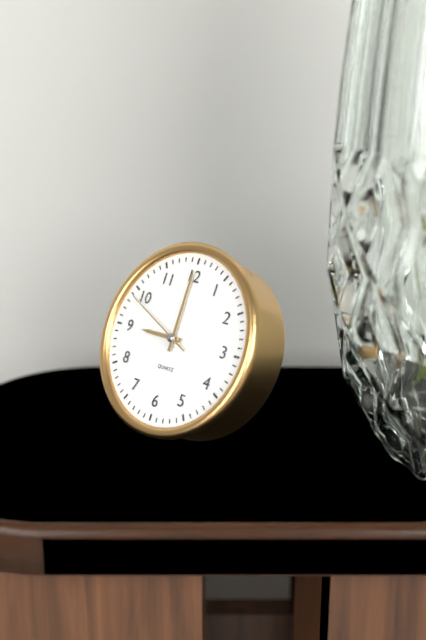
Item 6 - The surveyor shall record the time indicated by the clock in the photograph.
9:00:49
